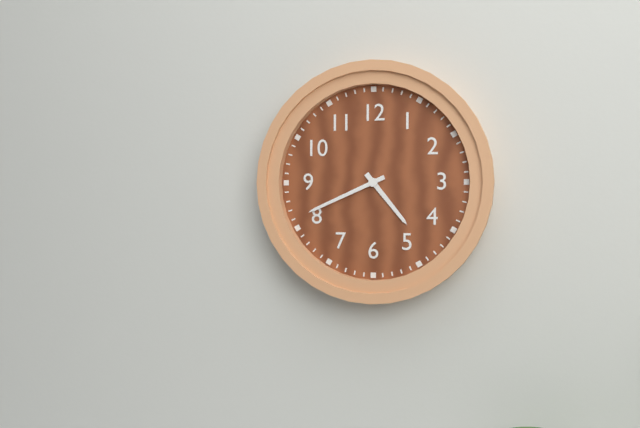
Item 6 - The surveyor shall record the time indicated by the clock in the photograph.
4:41
